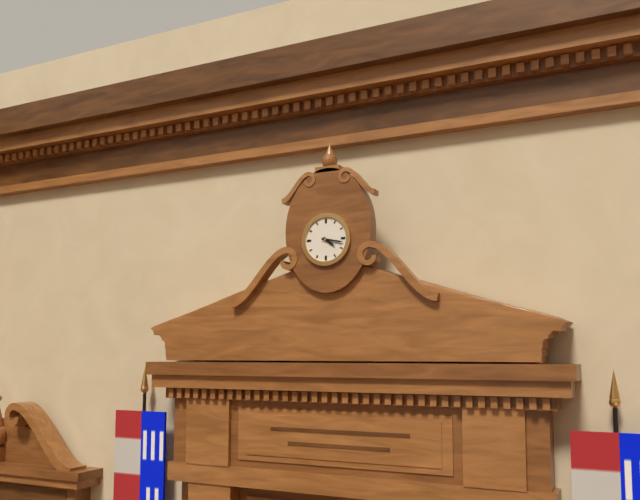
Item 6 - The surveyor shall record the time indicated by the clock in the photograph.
4:17
